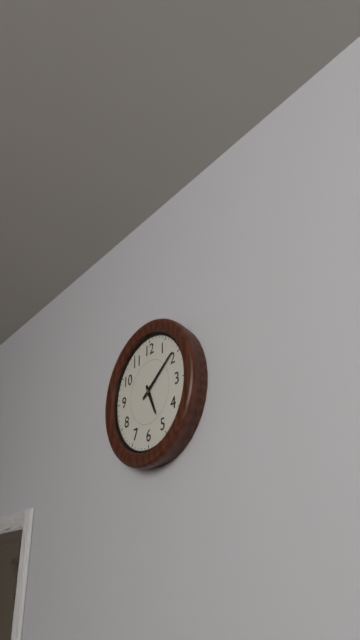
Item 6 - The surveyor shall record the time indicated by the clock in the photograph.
5:09
